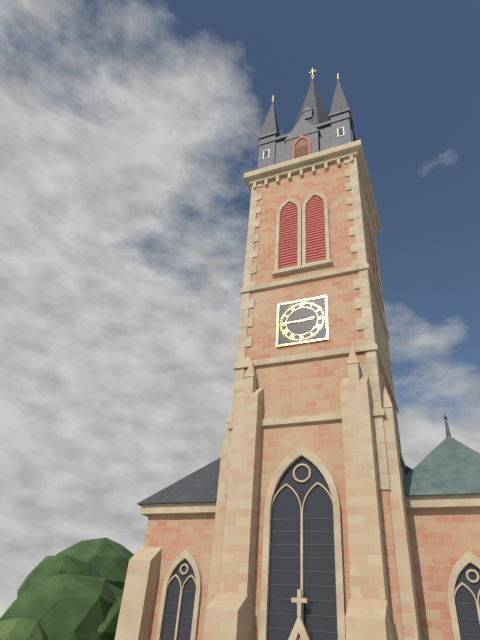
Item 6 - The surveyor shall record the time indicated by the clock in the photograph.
2:45
